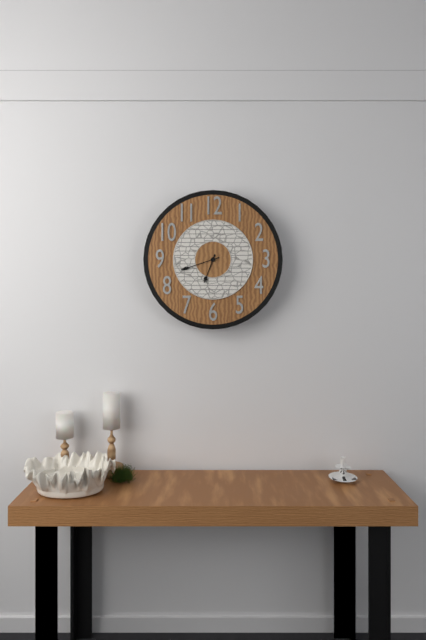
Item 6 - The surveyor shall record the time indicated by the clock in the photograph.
6:42
